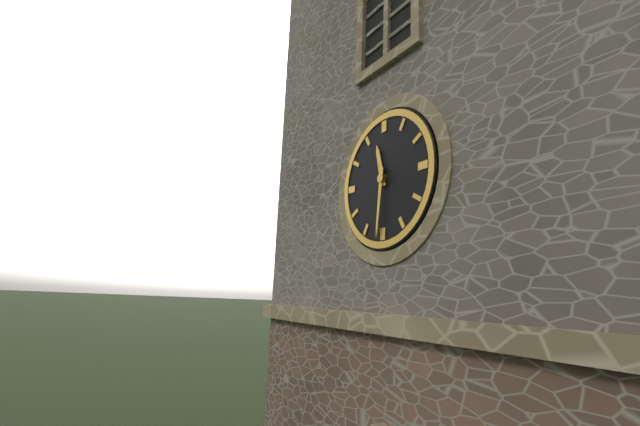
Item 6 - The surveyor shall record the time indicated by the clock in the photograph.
11:31
